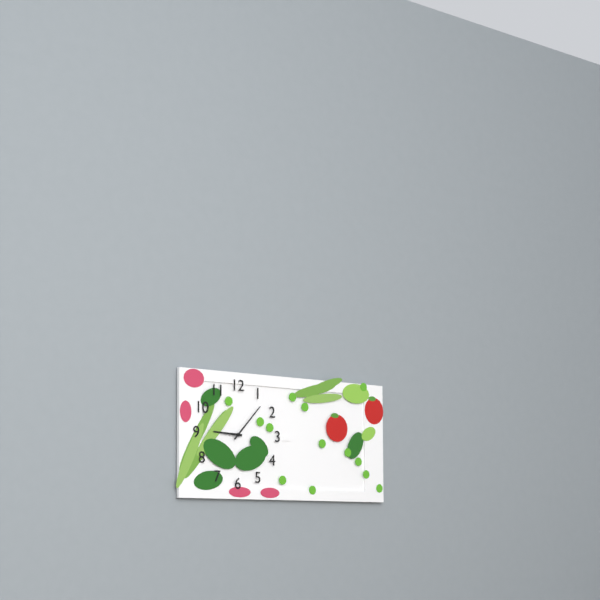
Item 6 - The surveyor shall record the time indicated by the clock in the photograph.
9:07
